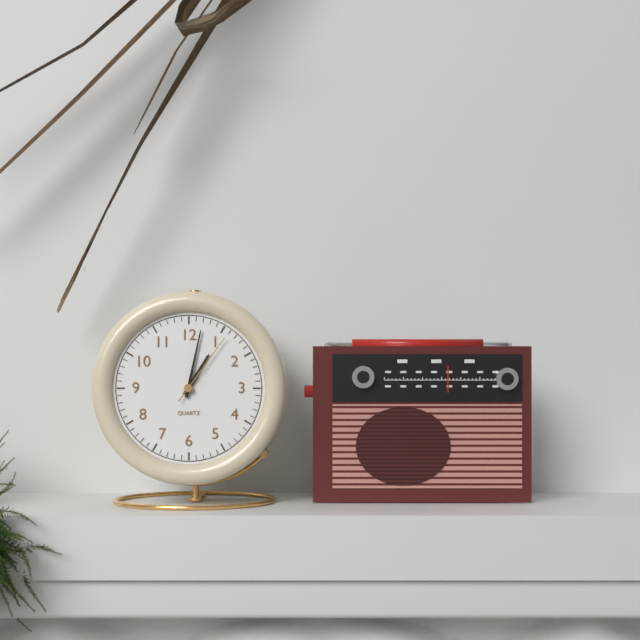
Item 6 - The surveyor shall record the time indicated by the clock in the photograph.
1:02:06
